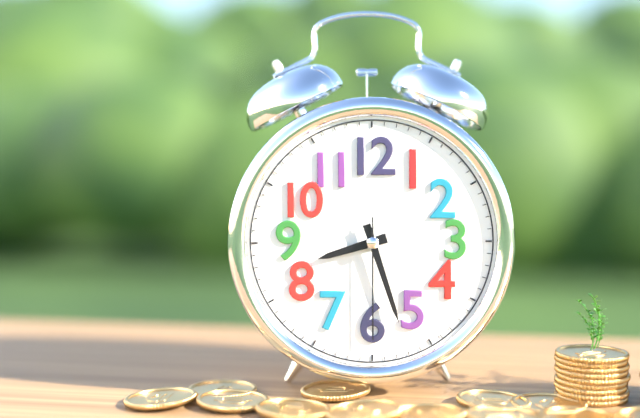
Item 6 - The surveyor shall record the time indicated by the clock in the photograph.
8:27:30
